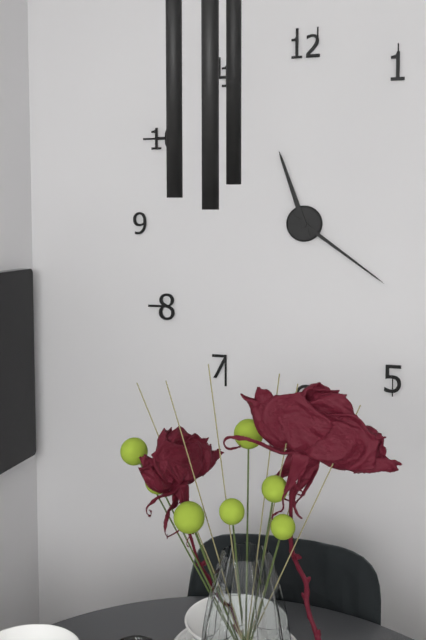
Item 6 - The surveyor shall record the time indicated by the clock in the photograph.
11:21
